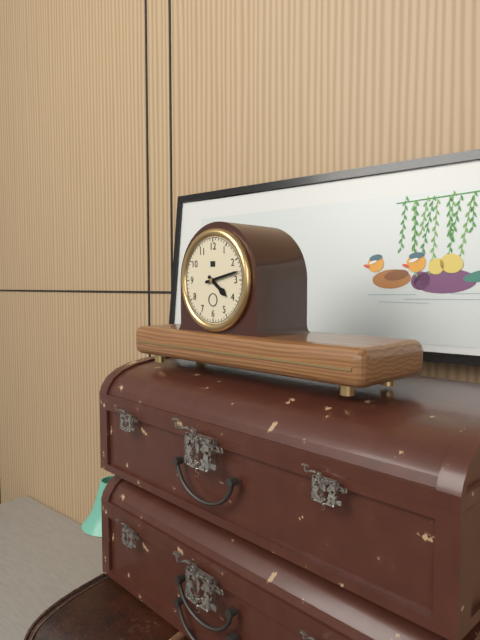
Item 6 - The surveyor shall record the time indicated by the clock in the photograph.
4:13
